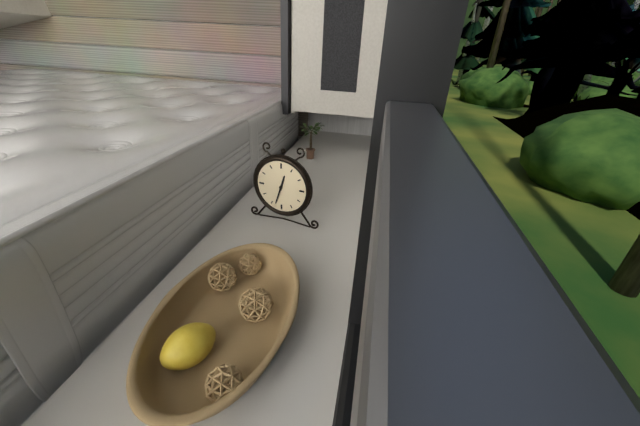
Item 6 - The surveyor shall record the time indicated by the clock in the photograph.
12:33
